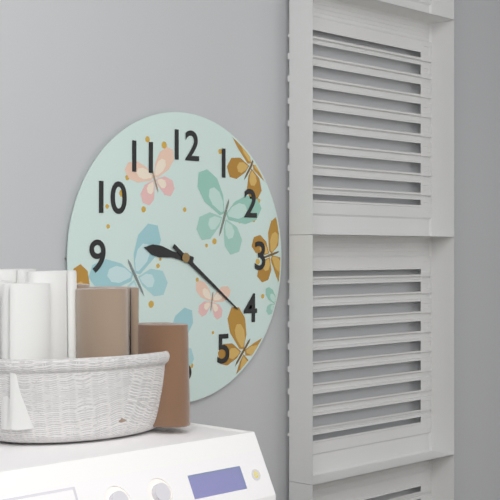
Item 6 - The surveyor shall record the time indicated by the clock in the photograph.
9:21
